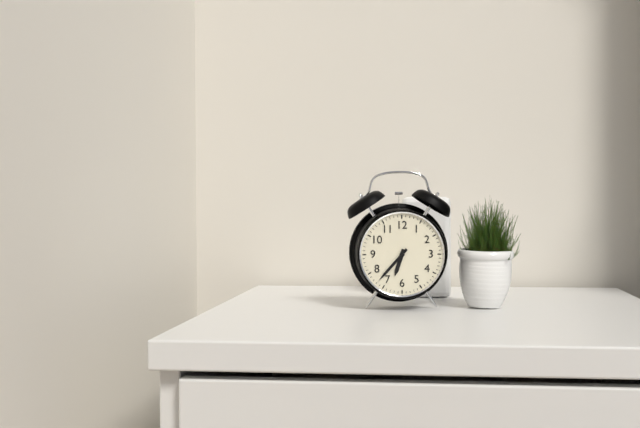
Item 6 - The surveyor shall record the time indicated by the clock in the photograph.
6:37
